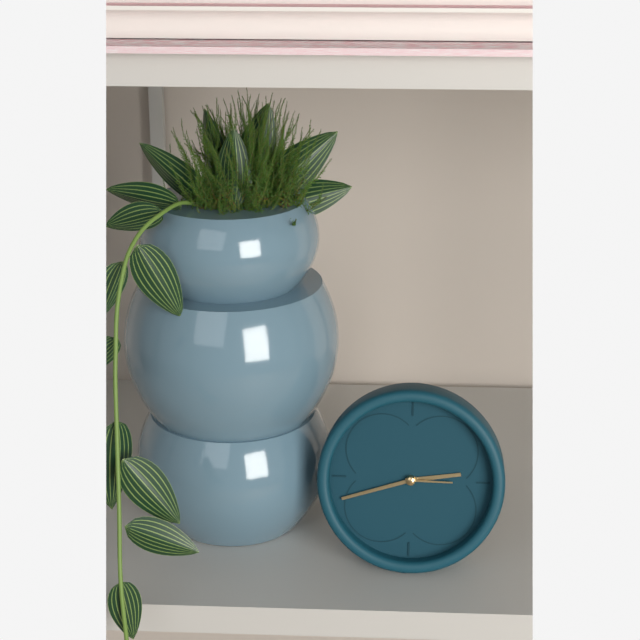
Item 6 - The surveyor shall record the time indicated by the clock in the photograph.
2:42:15
